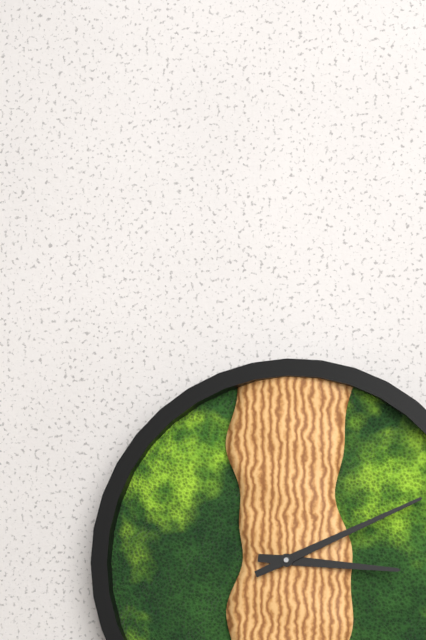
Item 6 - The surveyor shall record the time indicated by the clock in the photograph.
3:11
